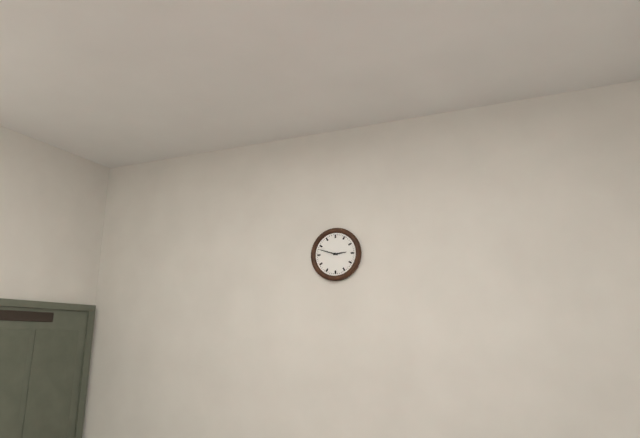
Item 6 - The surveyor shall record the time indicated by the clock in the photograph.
2:48
